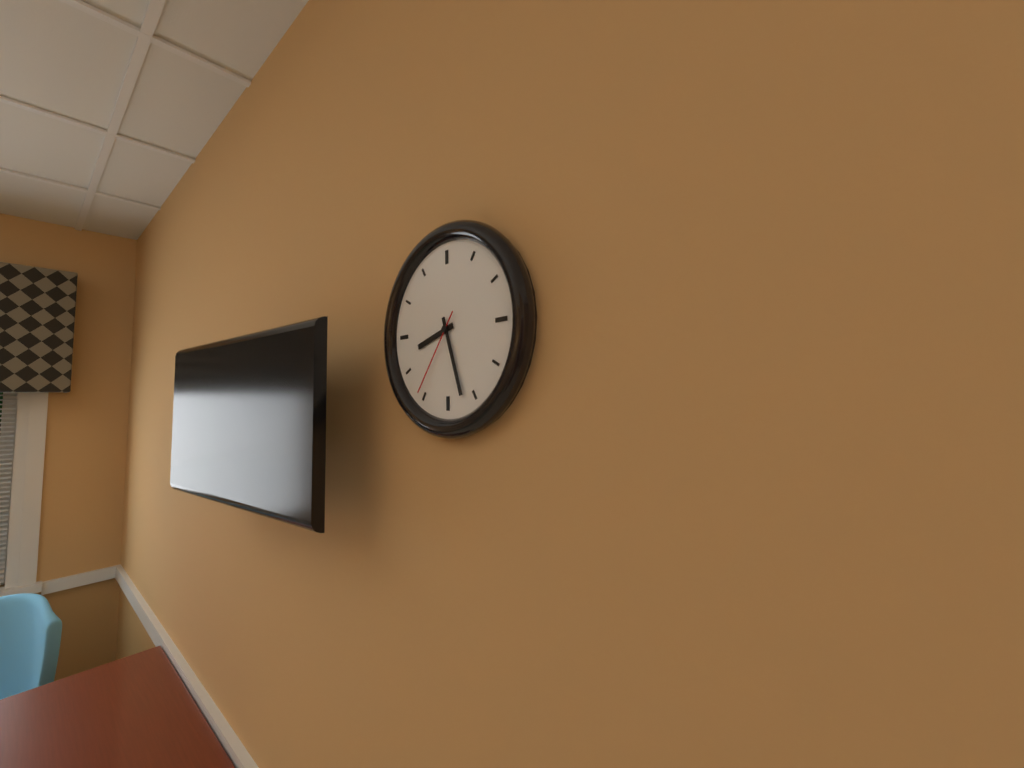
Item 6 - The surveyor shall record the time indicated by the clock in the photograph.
8:27:36
